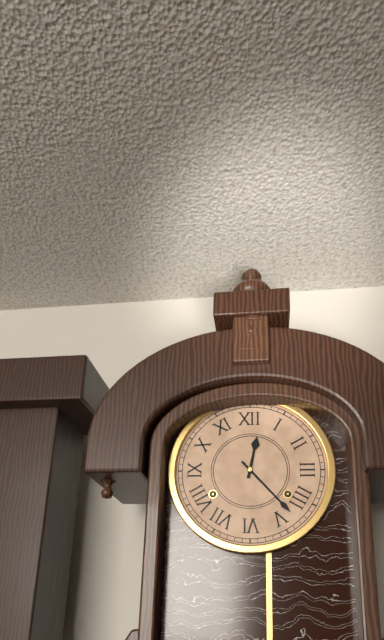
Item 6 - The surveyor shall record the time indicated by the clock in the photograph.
12:23
